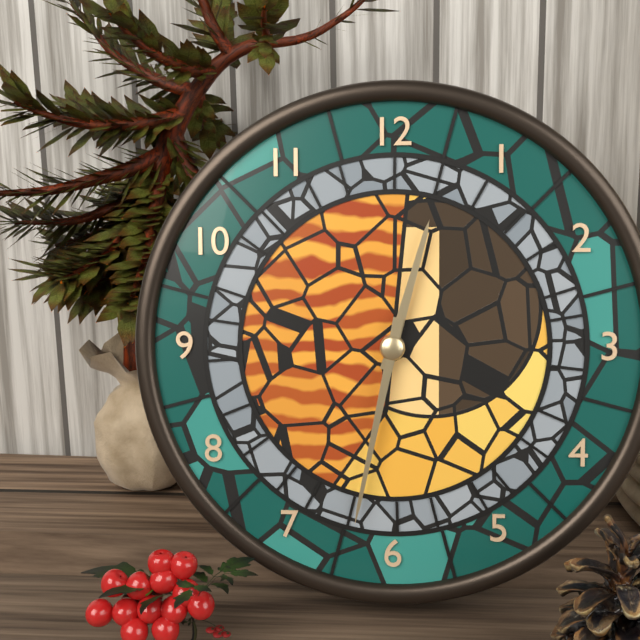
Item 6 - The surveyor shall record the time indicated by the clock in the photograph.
12:32
